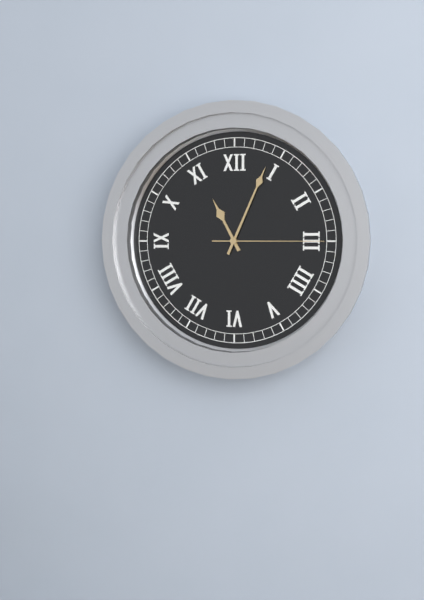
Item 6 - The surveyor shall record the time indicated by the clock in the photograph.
11:04:15
